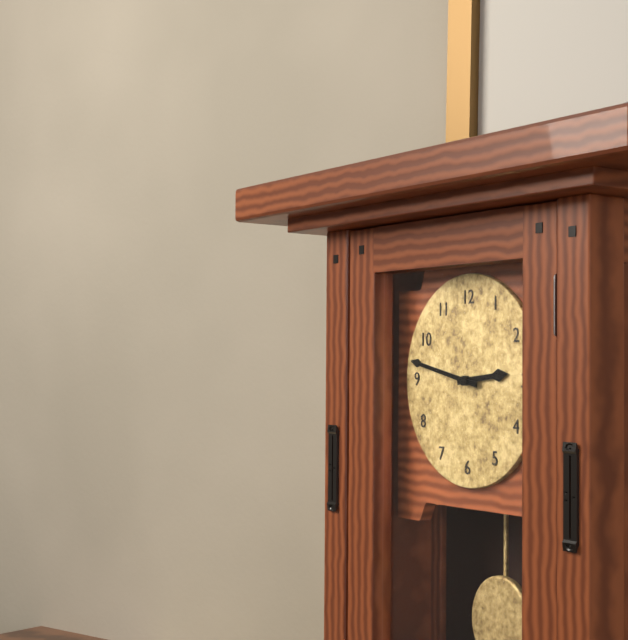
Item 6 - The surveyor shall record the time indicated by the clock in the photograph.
2:47
